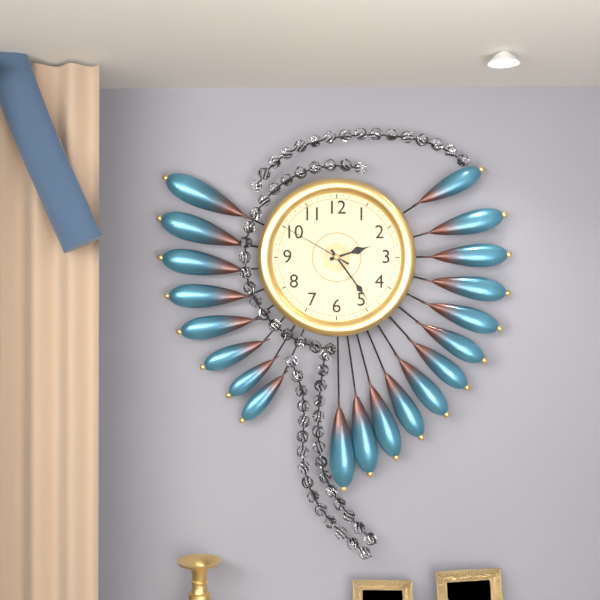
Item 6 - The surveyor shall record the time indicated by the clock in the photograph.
2:24:50
